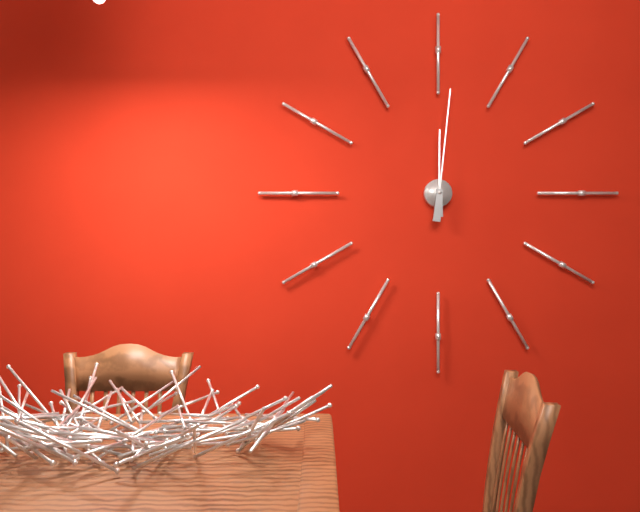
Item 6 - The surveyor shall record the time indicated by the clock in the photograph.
12:01
